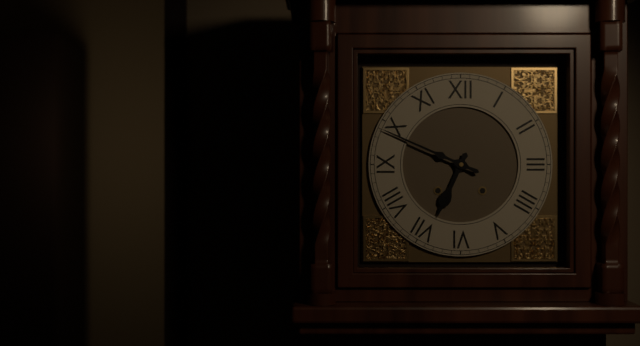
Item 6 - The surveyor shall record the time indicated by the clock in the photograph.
6:49
